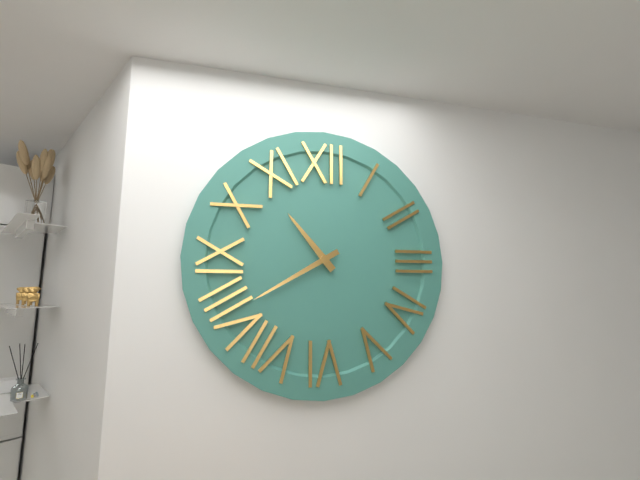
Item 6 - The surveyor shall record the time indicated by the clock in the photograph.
10:40
